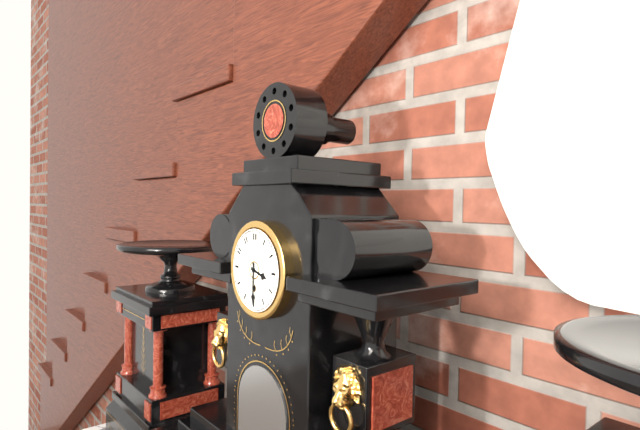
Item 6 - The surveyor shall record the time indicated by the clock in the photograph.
3:30
